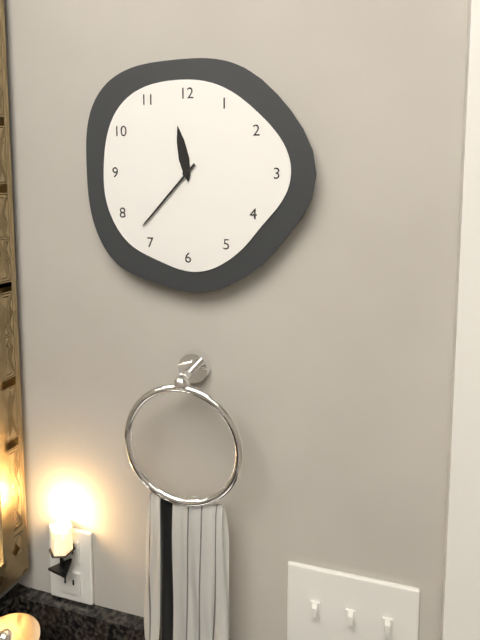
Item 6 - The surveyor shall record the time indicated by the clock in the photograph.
11:37
